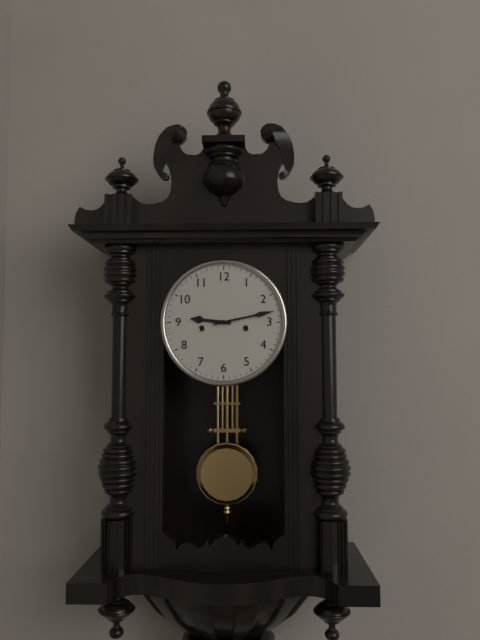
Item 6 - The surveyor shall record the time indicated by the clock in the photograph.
9:13
